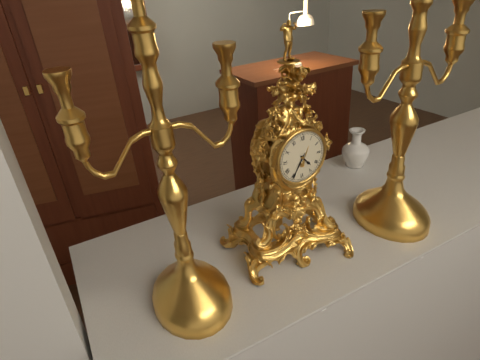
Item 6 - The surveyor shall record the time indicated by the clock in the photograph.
4:35
